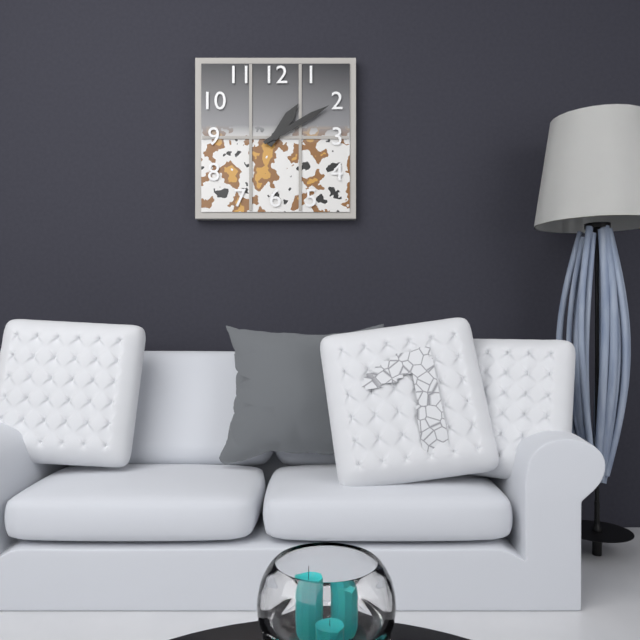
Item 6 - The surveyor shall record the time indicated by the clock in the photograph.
1:10
